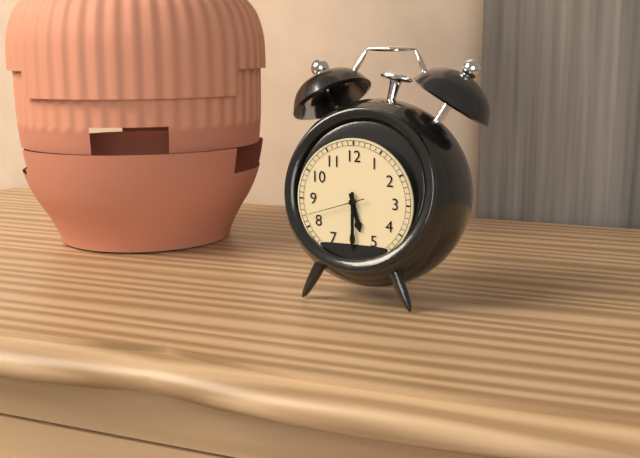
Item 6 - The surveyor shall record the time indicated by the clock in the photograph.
5:30:42
